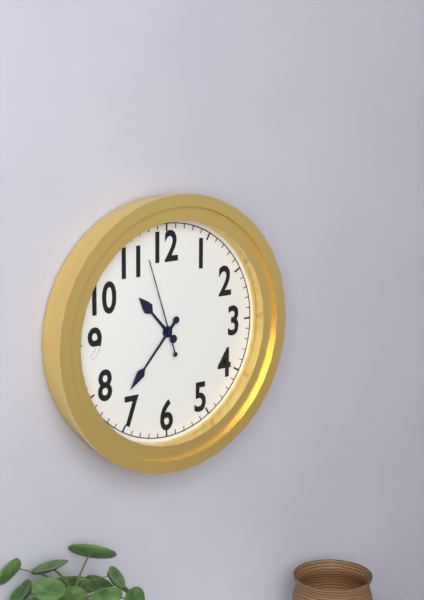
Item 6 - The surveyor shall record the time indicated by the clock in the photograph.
10:37:57
